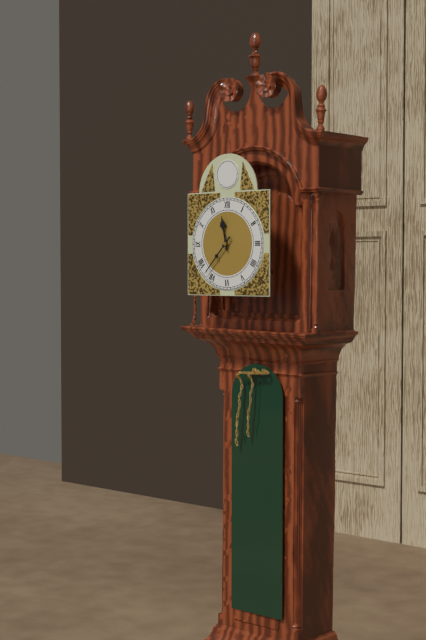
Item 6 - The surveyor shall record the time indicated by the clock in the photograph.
11:37
